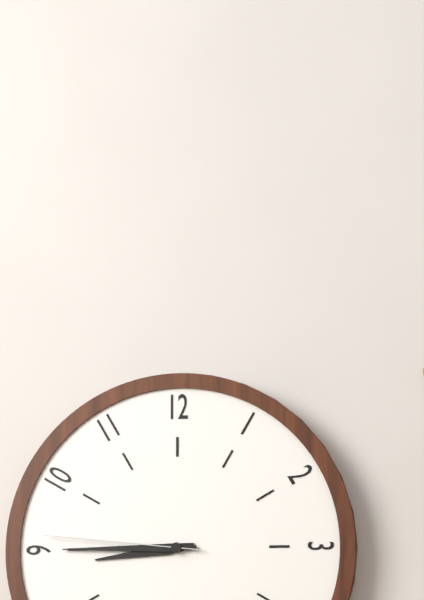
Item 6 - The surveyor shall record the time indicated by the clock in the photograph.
8:45:46
